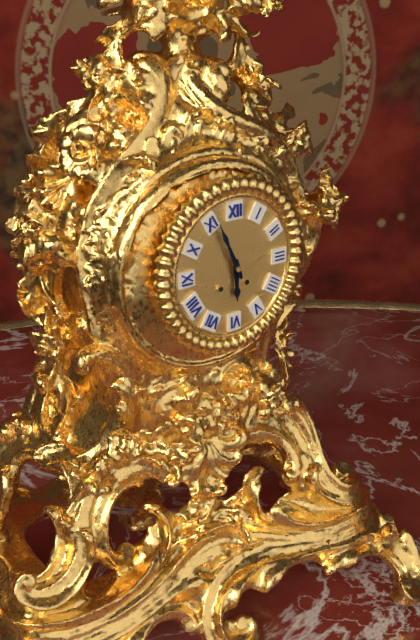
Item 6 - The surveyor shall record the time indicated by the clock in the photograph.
5:56
